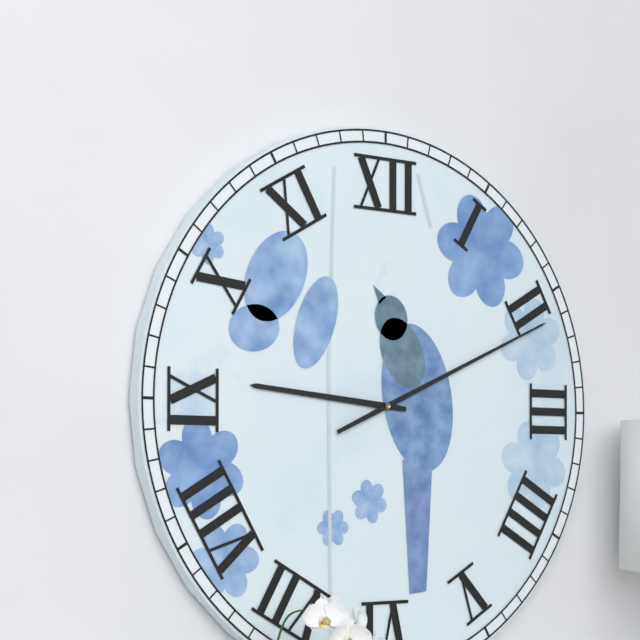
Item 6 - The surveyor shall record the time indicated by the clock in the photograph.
9:11
